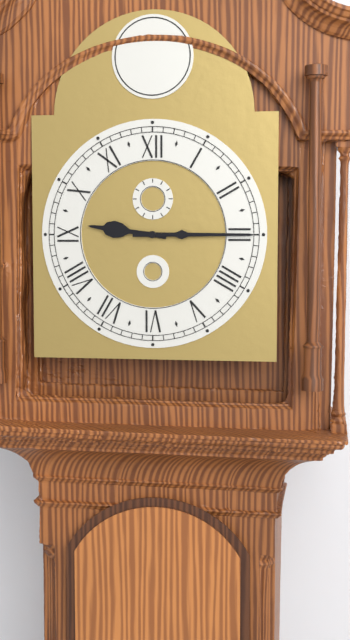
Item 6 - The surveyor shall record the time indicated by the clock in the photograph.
9:15
